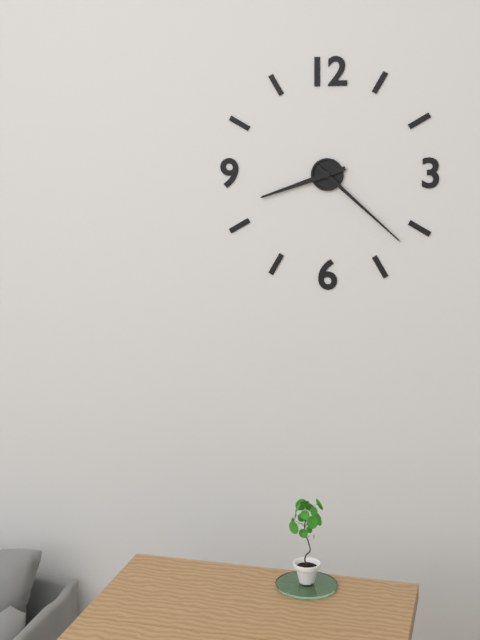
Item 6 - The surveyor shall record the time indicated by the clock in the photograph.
8:22
